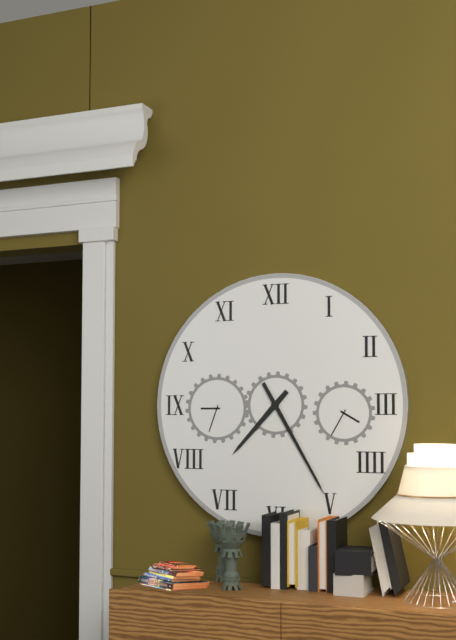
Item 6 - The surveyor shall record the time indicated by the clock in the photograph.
7:25
